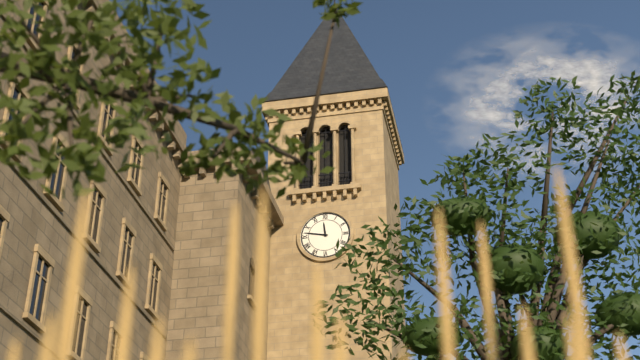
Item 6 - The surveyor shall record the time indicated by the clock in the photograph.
11:47
